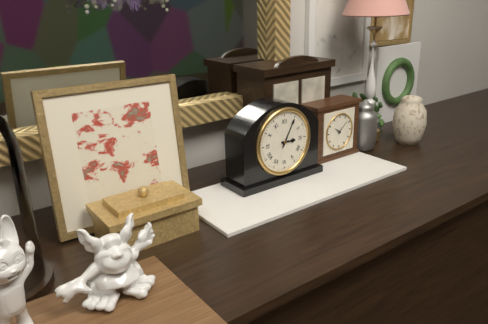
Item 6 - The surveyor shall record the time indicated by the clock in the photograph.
3:05
